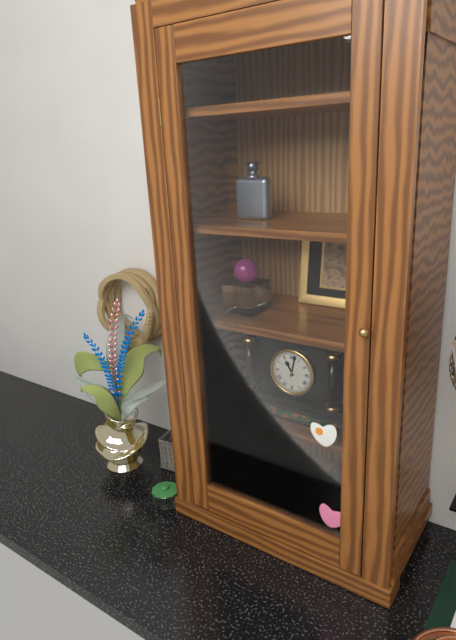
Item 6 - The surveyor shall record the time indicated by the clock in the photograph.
11:02
